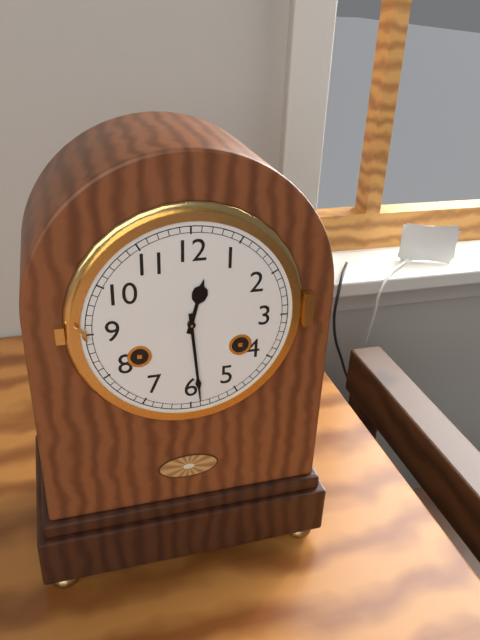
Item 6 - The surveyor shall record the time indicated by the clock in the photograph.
12:29
